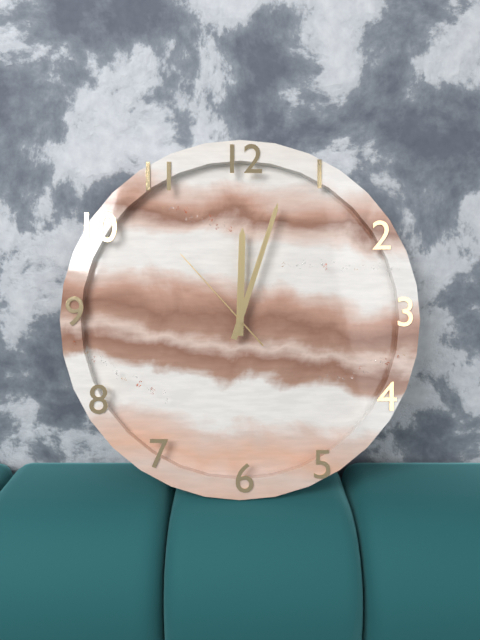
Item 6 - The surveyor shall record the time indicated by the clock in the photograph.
12:03:53
